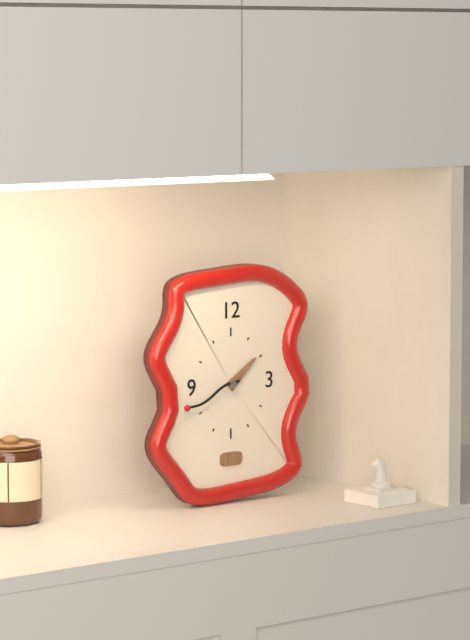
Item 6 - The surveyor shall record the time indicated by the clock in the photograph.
1:42
